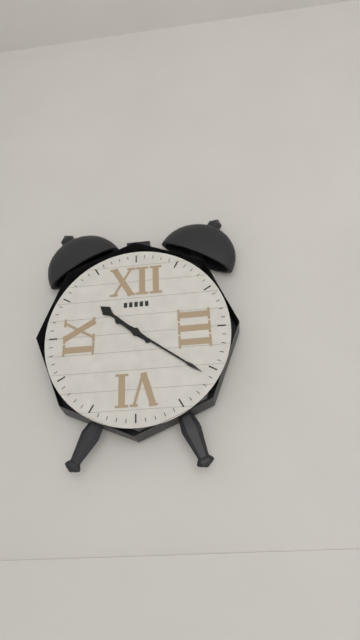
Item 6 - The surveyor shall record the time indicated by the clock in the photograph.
10:21
